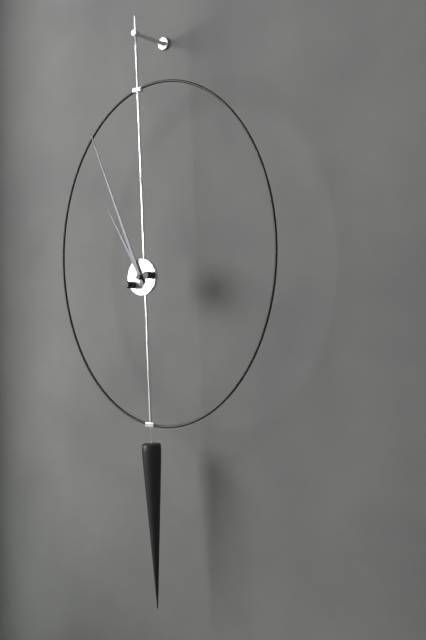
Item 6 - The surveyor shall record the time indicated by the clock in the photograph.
10:56
